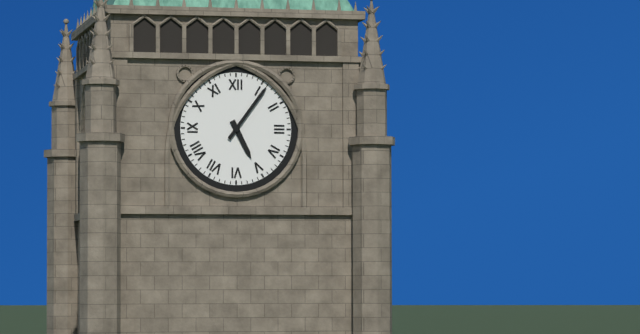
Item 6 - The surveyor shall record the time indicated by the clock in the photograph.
5:06
